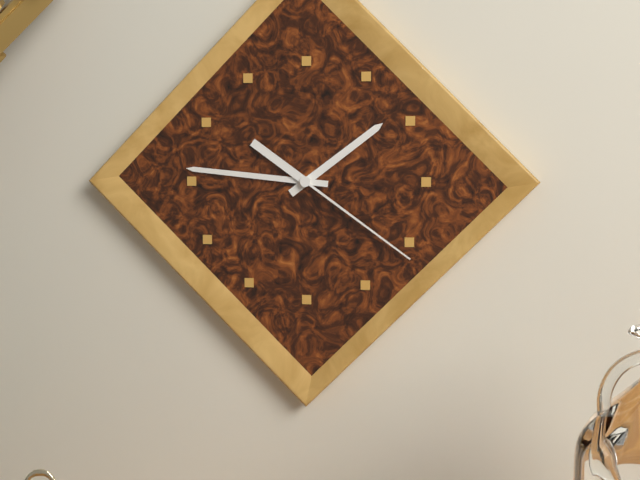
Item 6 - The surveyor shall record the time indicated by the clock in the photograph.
1:46:21
